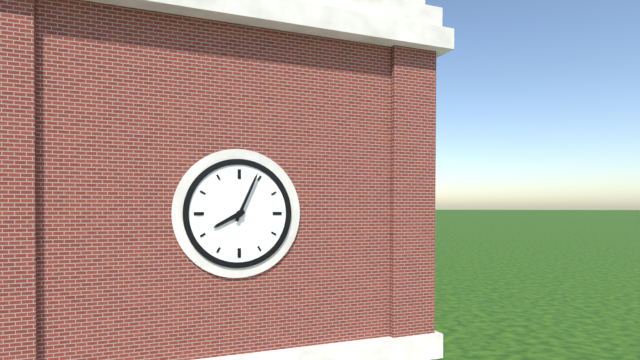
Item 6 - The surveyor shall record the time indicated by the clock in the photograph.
8:04
